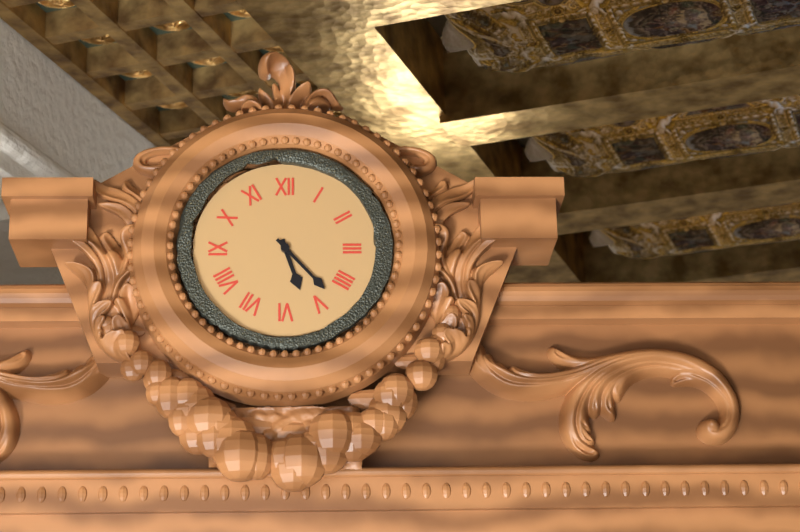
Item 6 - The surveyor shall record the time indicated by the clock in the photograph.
5:23
